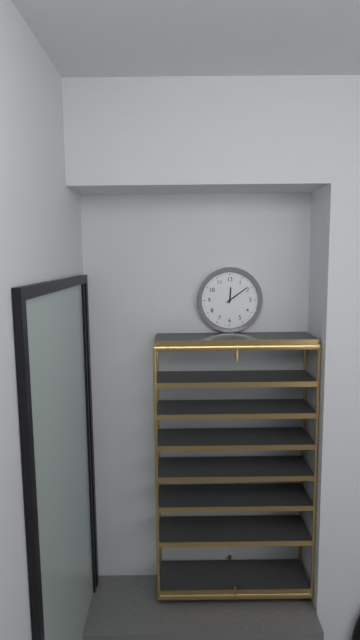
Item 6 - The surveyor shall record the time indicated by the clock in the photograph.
12:09
